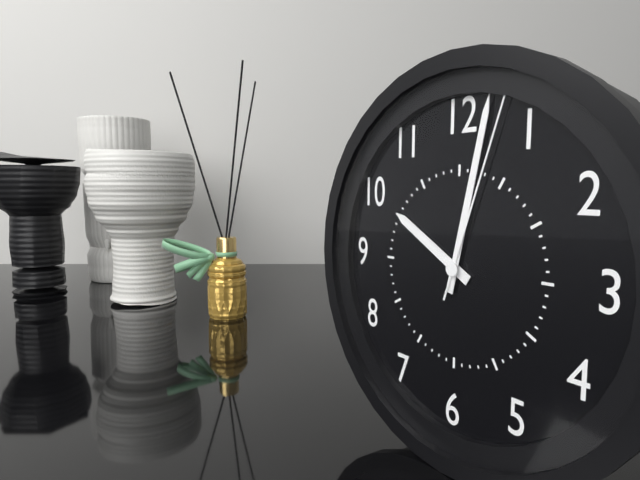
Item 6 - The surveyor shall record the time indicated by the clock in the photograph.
10:02:03
